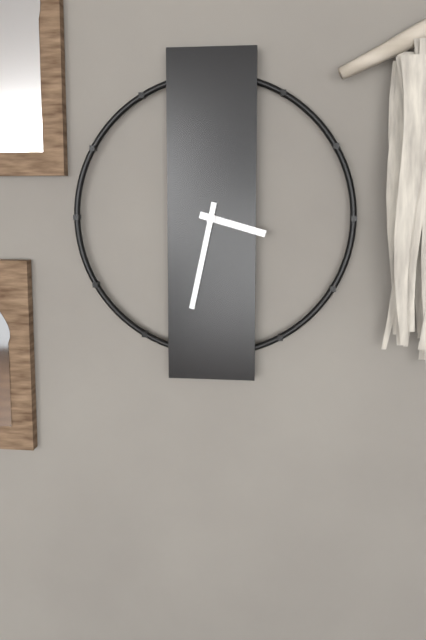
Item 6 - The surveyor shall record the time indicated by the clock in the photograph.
3:32
